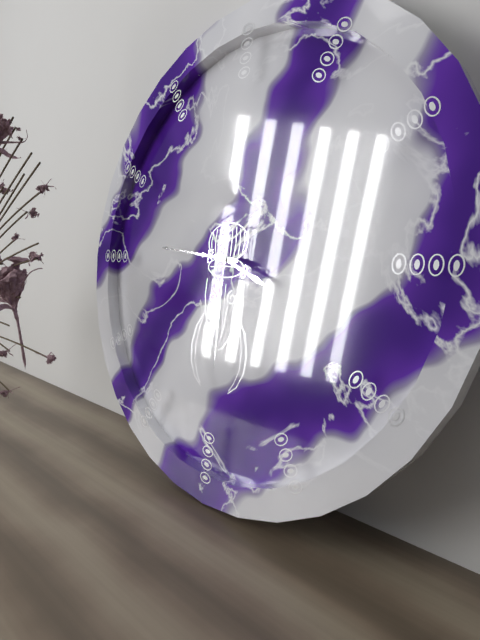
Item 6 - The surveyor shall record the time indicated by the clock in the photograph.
3:46:30
